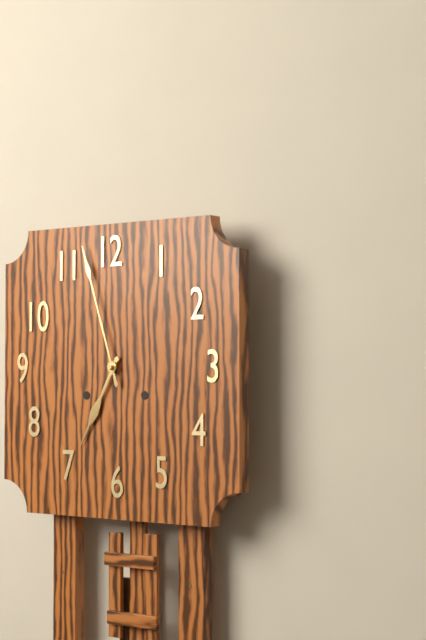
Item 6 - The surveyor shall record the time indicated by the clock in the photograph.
6:57
